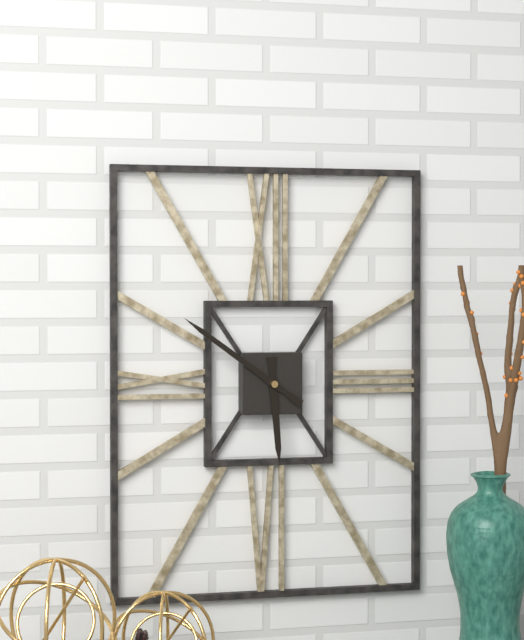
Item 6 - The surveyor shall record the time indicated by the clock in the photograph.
5:51
